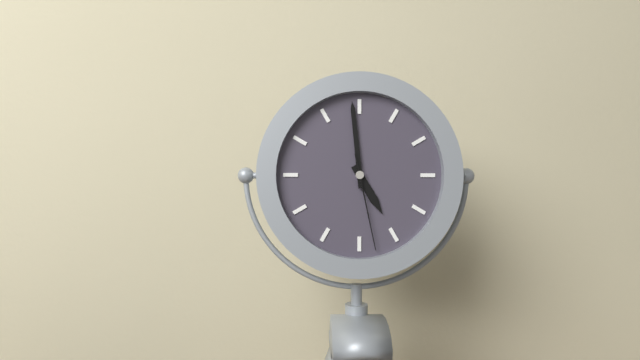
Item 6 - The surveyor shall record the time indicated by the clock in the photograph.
4:59:28
